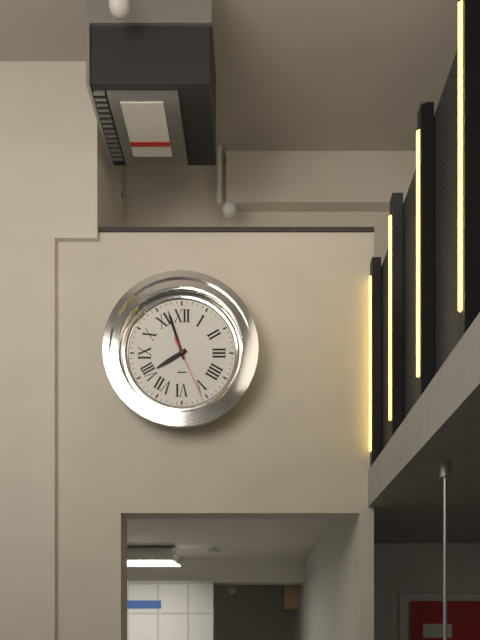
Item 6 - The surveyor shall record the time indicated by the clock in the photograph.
7:57:26
